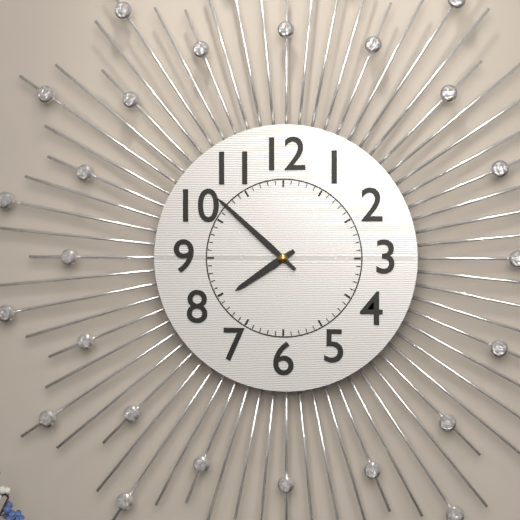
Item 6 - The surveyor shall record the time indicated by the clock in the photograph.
7:52
